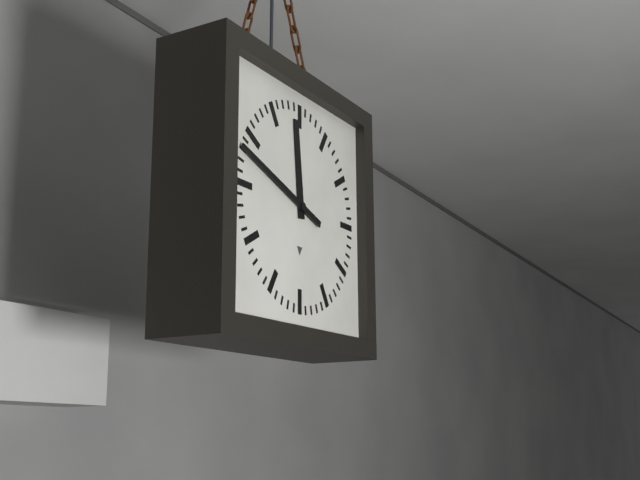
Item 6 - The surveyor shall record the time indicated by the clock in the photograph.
11:48
